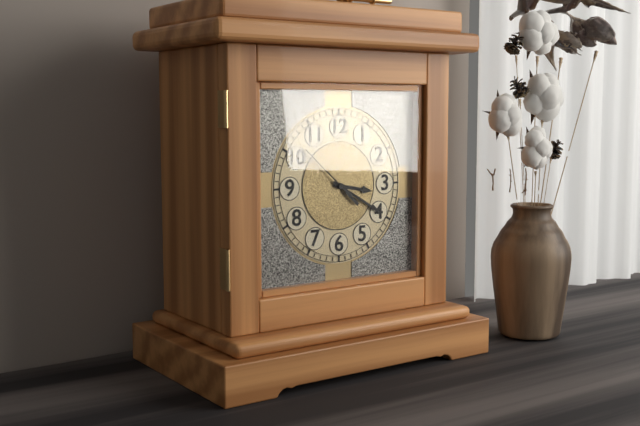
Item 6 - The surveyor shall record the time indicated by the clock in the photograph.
3:20:52
